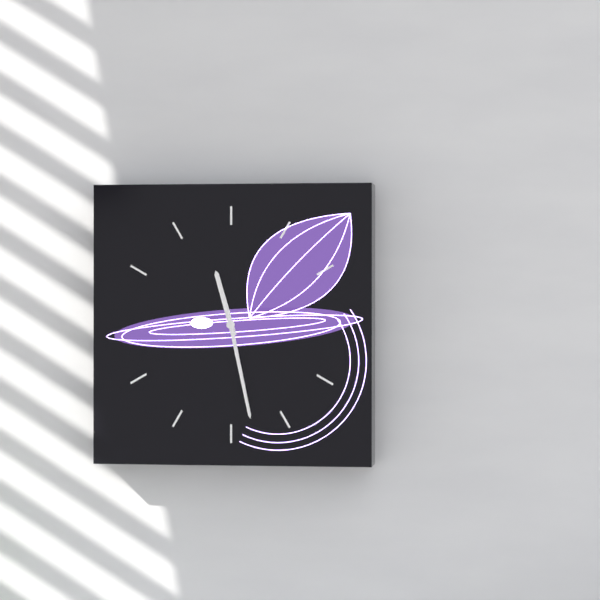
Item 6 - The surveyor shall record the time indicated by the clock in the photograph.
11:28
